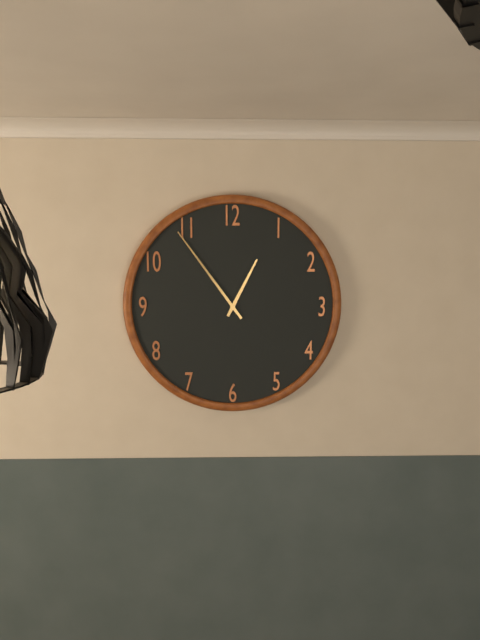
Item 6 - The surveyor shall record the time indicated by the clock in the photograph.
12:54
